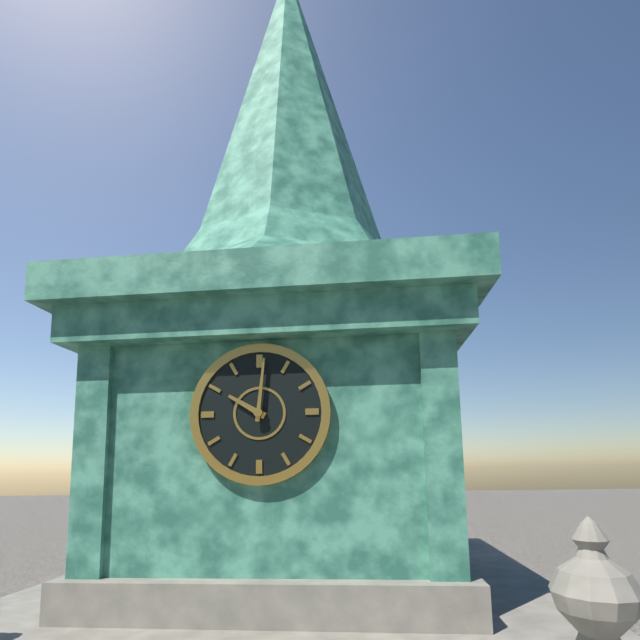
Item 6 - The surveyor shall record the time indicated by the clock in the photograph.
10:01
